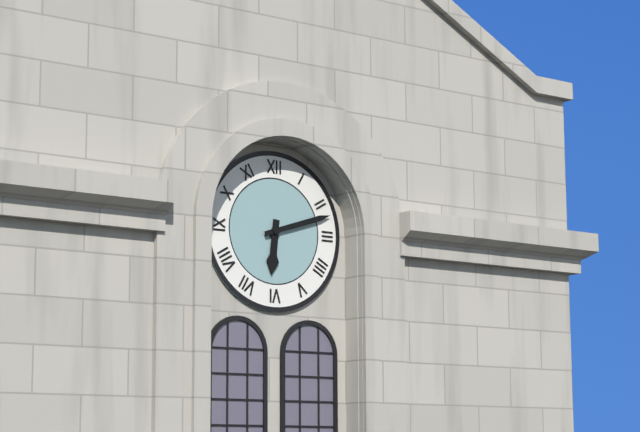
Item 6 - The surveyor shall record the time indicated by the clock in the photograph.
6:12
